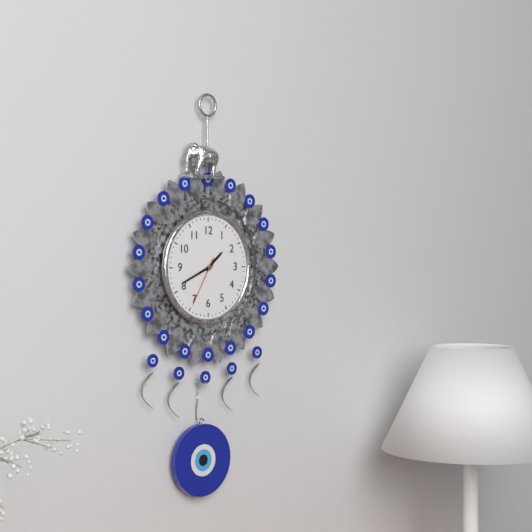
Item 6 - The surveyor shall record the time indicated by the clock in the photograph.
1:41:35
